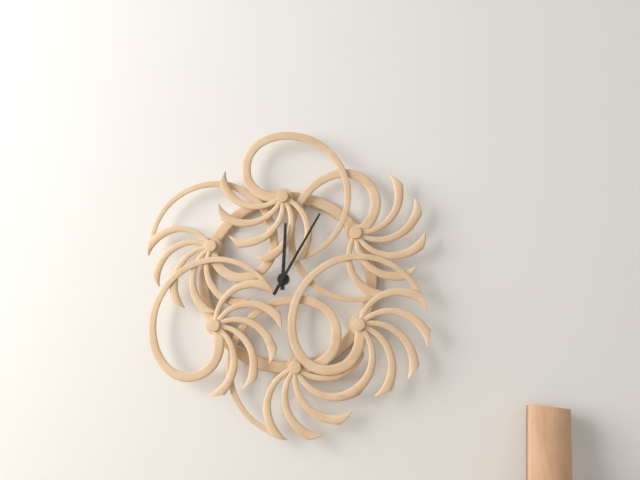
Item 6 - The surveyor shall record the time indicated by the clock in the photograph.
12:05
